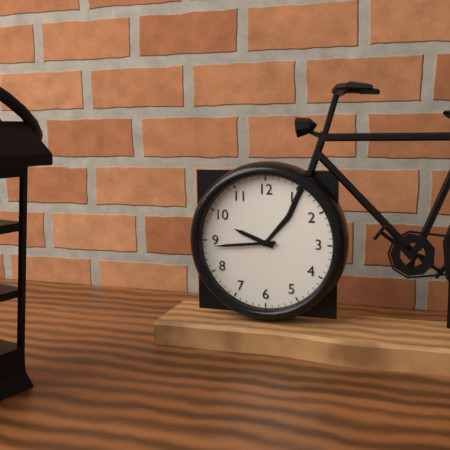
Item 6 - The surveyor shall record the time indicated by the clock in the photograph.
9:44
